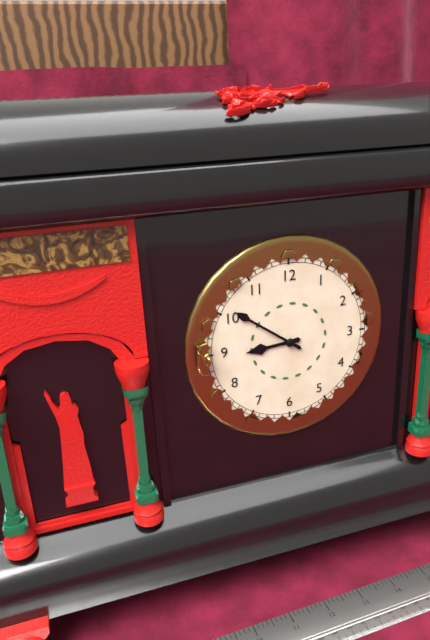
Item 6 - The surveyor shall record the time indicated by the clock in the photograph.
8:51
